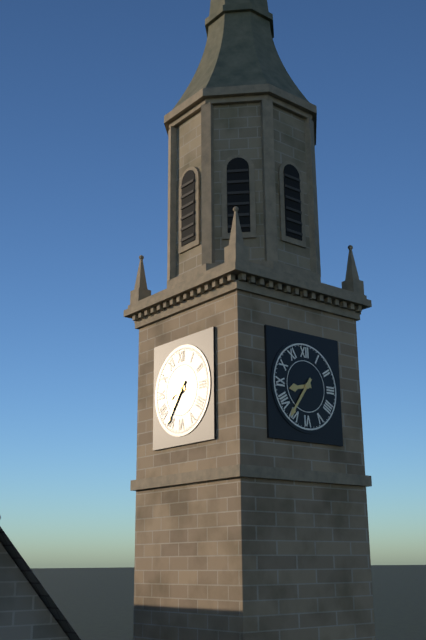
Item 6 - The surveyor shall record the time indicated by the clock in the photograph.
8:36
